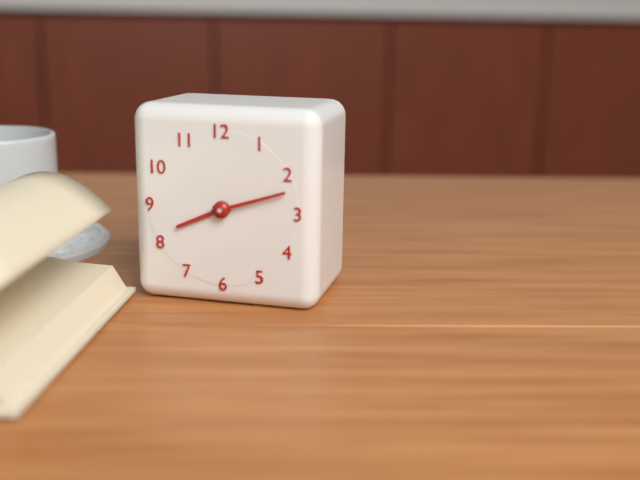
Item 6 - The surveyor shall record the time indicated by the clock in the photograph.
8:12
